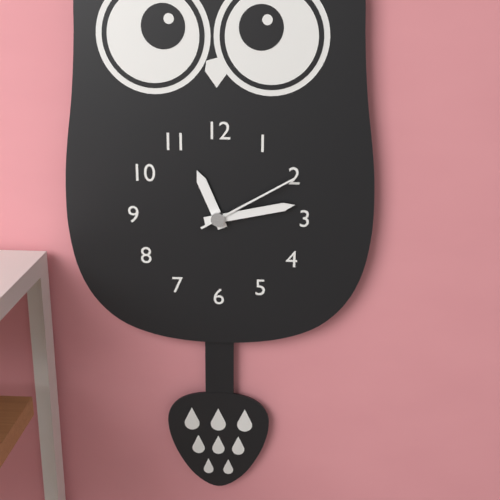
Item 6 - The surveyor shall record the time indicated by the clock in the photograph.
11:13:10
